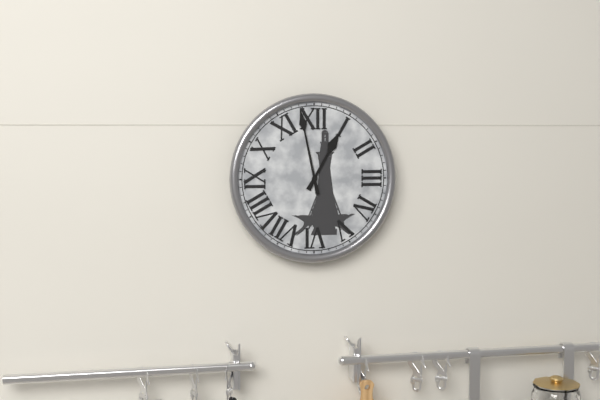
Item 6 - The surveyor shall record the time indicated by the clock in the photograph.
12:58
